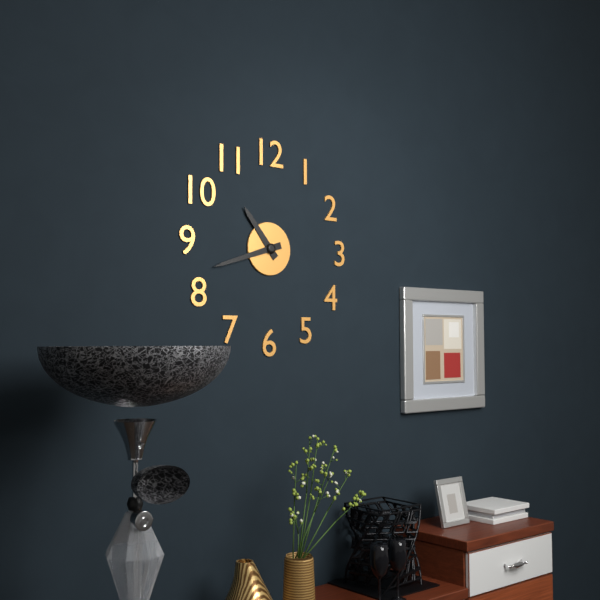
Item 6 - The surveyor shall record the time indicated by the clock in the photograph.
10:42
